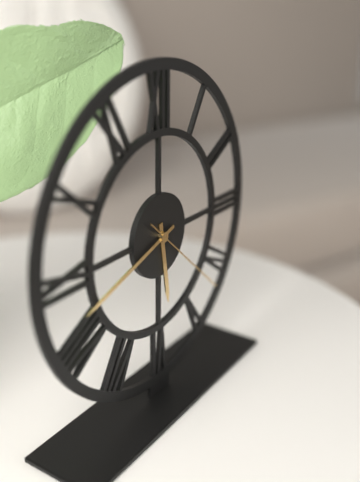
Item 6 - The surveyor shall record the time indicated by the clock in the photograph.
5:42:22
